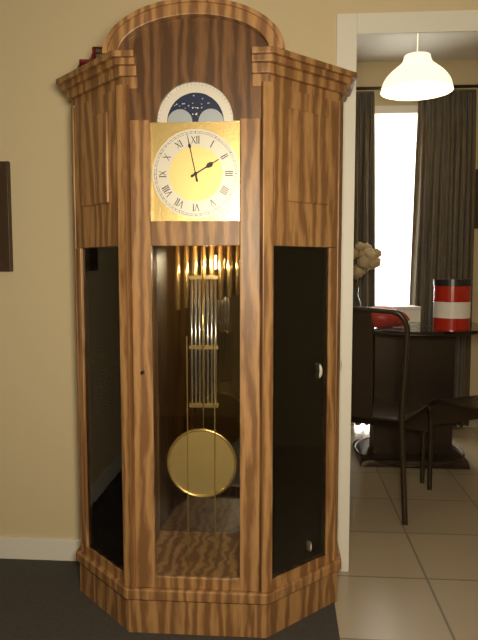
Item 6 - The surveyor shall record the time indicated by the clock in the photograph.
1:58
